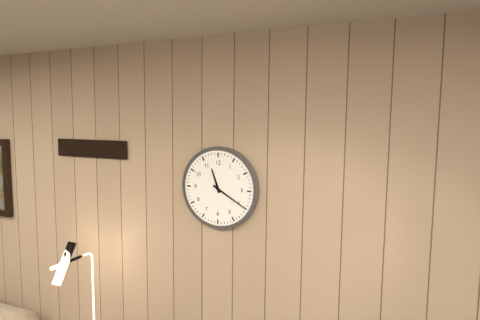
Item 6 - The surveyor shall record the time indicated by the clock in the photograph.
11:20
